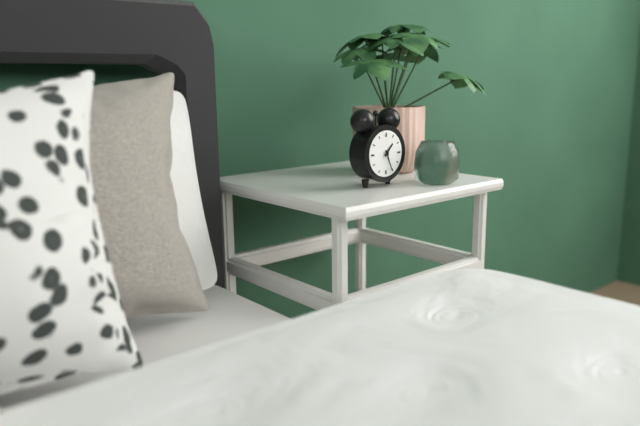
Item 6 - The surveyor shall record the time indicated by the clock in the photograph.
1:26
